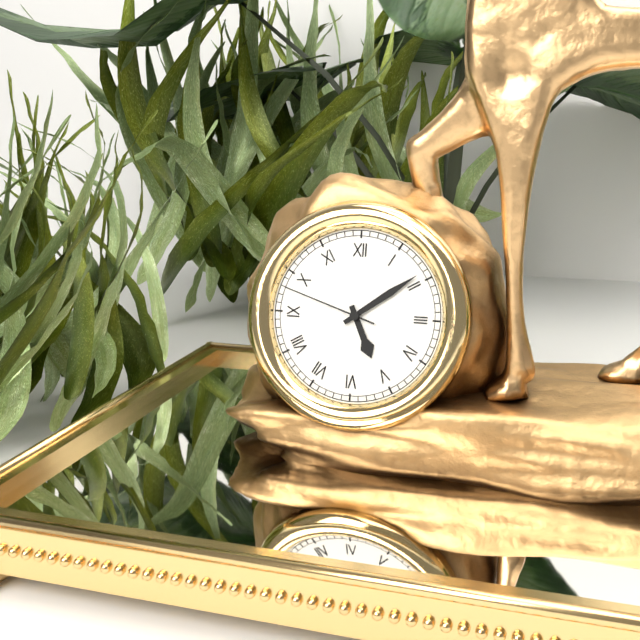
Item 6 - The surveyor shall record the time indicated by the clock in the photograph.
5:09:48
